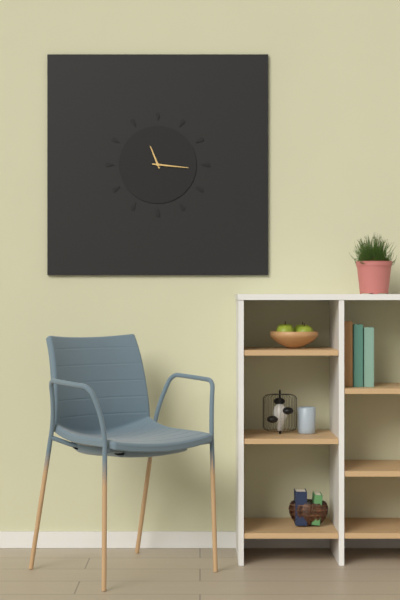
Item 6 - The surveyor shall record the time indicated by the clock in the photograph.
11:16
